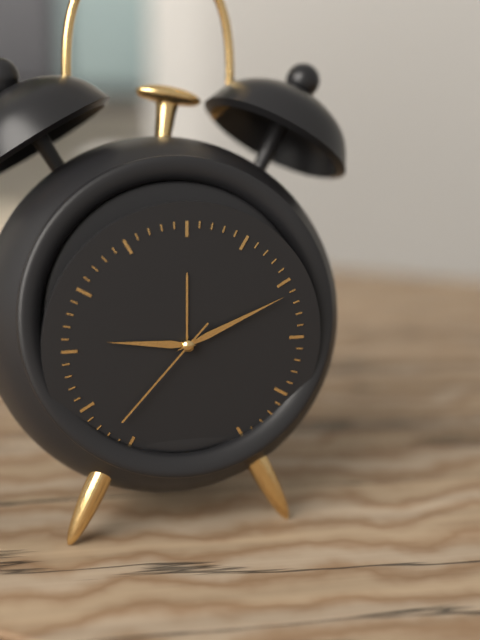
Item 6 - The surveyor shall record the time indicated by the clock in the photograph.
9:11:37
